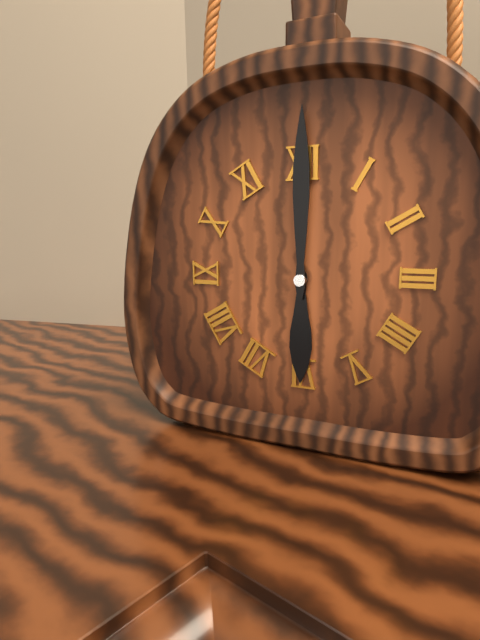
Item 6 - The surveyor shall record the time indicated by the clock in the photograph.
6:00
